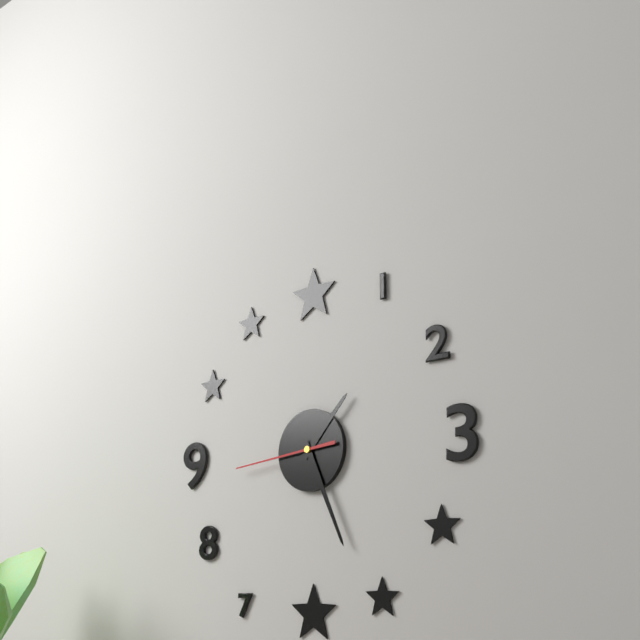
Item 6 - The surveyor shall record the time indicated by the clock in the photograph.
1:26:44
